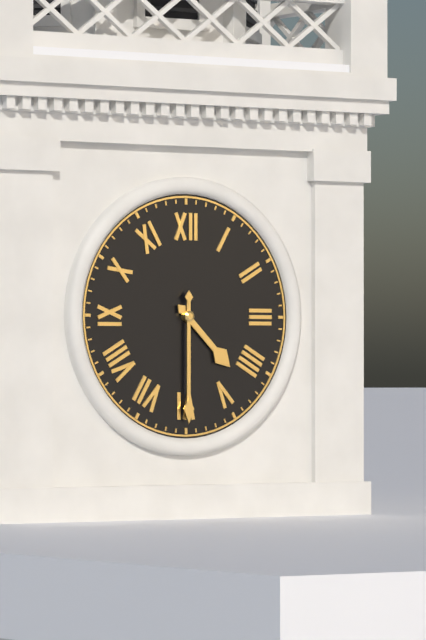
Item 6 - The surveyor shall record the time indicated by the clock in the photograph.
4:30
